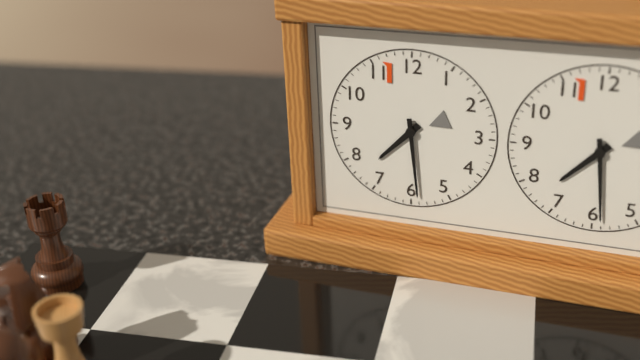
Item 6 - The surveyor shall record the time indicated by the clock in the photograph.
7:29
